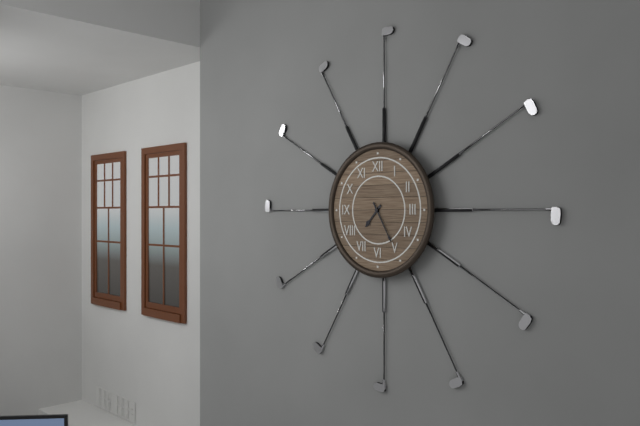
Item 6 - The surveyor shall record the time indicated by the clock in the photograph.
7:25
